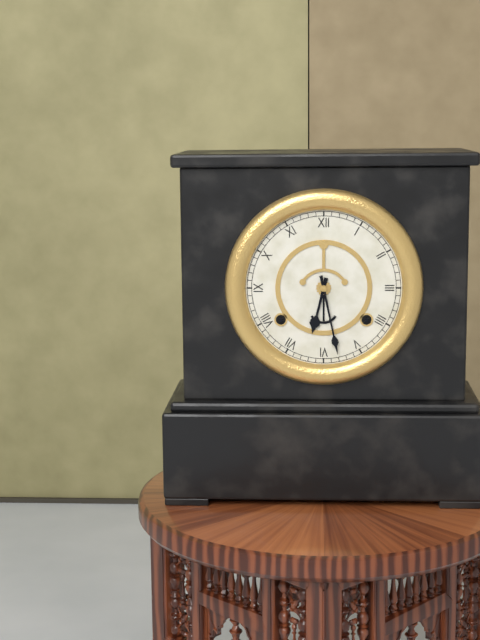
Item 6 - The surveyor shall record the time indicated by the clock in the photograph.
6:28
